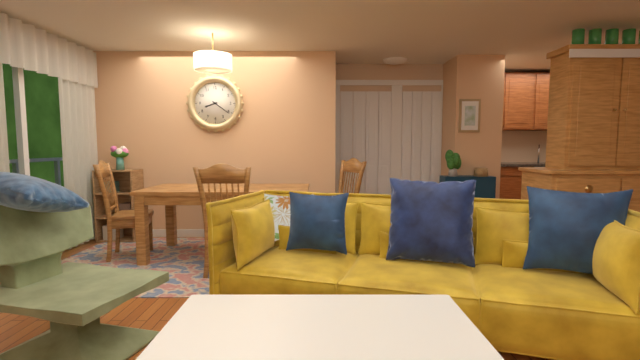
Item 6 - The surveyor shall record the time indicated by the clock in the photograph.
8:21
